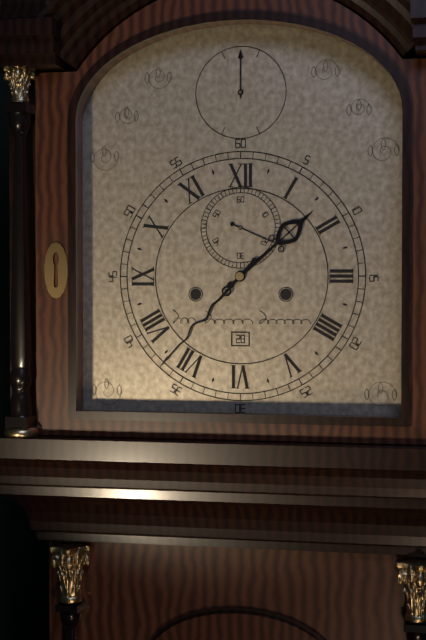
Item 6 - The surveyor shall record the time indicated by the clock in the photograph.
1:37
